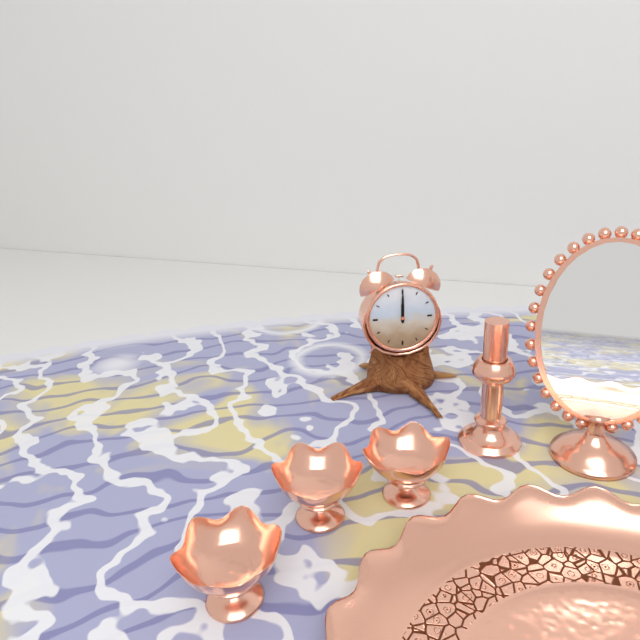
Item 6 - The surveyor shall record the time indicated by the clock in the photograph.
12:00
